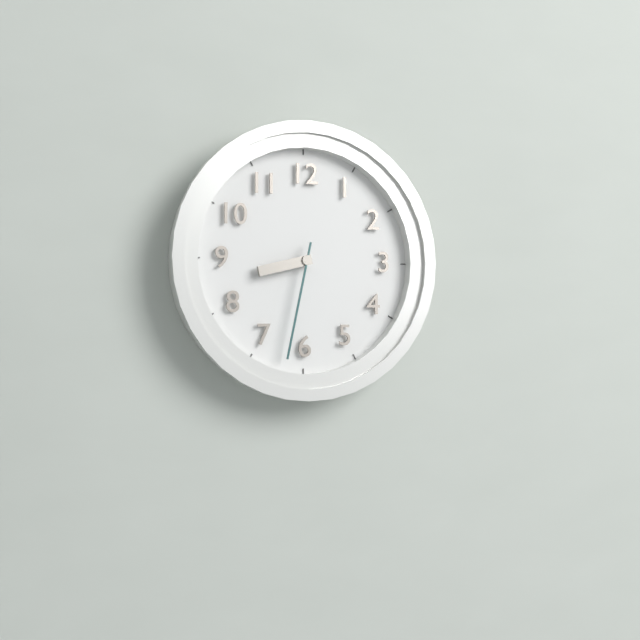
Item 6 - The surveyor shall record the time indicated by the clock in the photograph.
8:32
